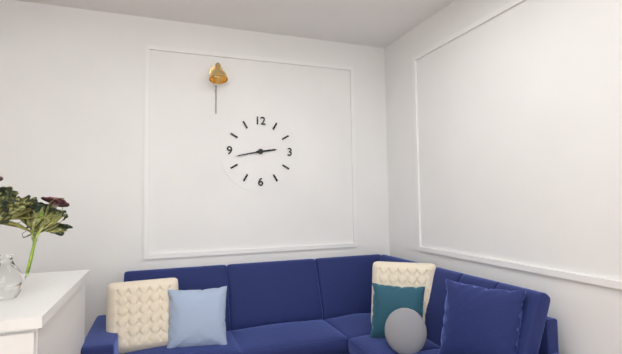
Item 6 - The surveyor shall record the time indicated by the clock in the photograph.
2:43
